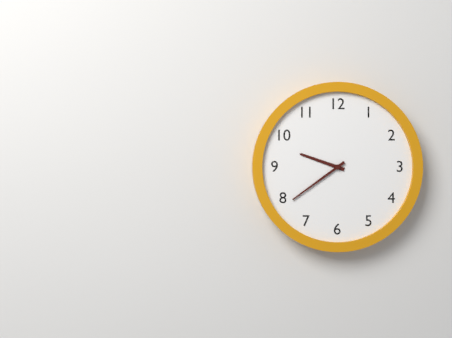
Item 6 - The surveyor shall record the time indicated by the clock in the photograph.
9:39
